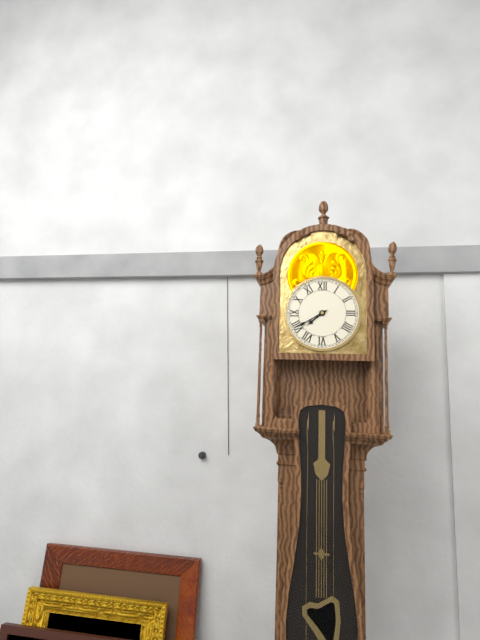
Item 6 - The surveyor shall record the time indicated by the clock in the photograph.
7:40
